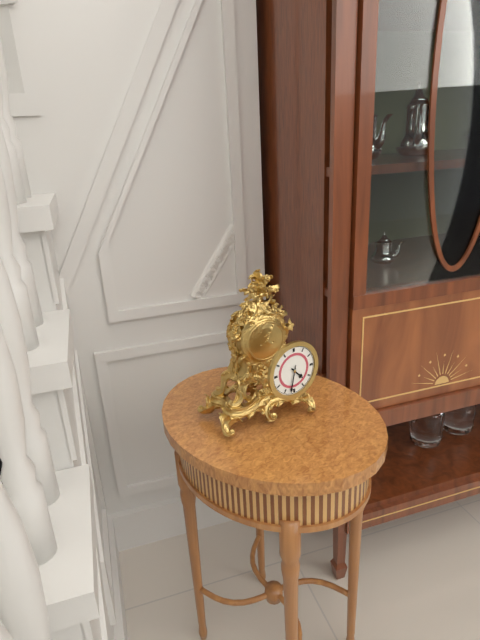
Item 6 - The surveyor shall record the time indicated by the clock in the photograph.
4:32
